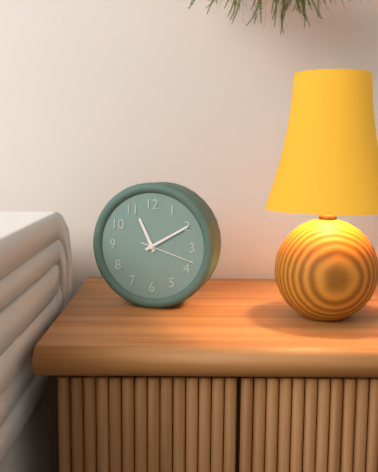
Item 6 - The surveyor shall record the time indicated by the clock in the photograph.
11:10:18
